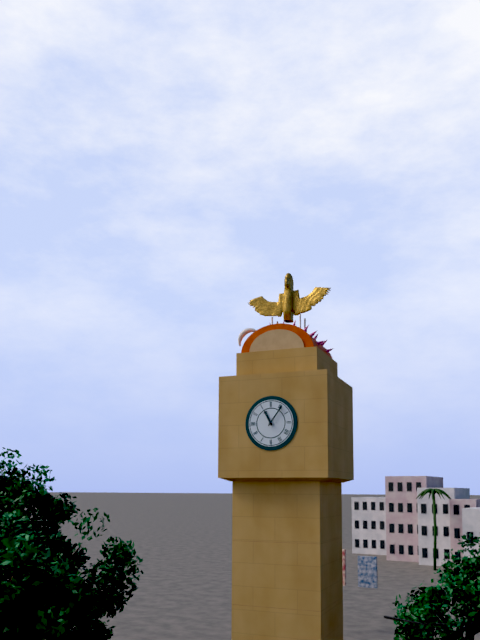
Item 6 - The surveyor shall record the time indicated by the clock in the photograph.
11:06
